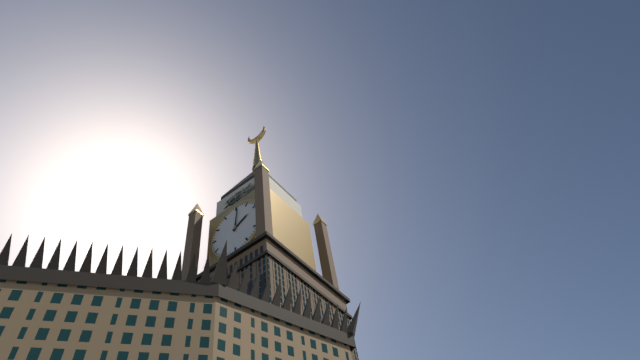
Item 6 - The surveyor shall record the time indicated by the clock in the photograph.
2:01
